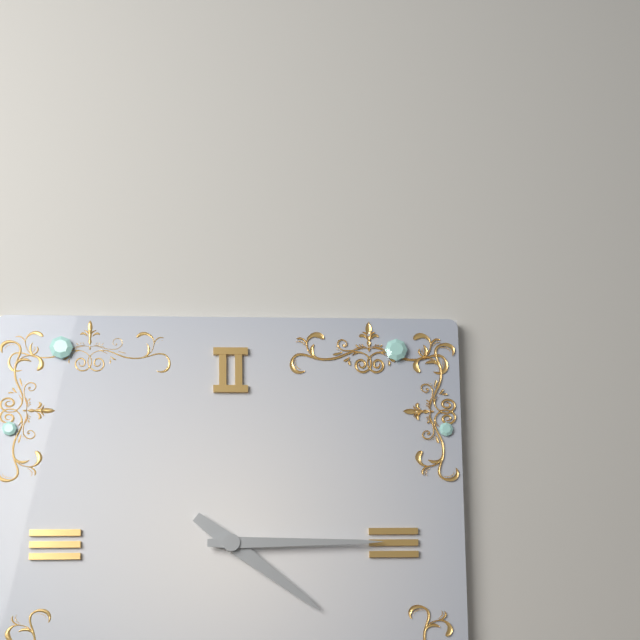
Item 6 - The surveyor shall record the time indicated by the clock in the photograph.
4:15
